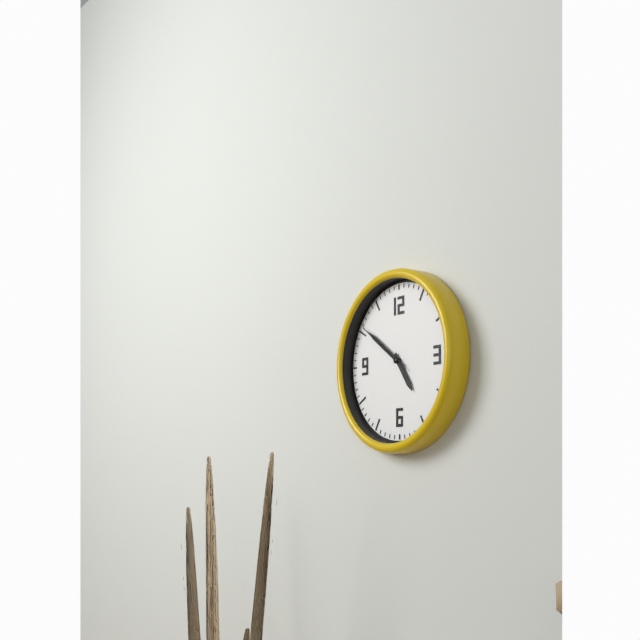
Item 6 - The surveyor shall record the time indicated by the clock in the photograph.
4:51:51
